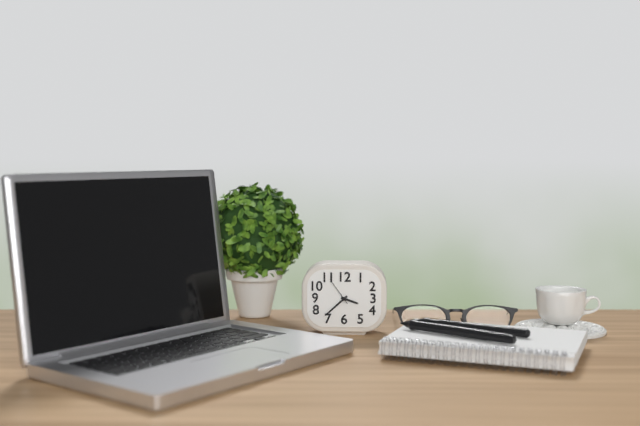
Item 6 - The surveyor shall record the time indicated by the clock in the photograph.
3:38
